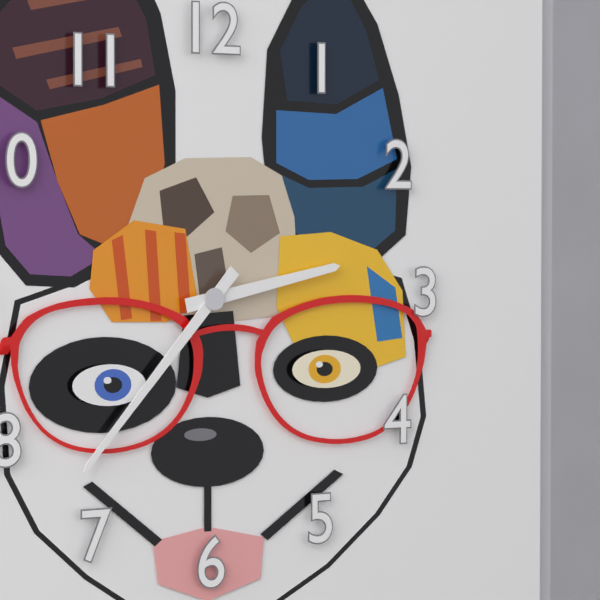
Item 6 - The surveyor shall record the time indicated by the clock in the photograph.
2:37
